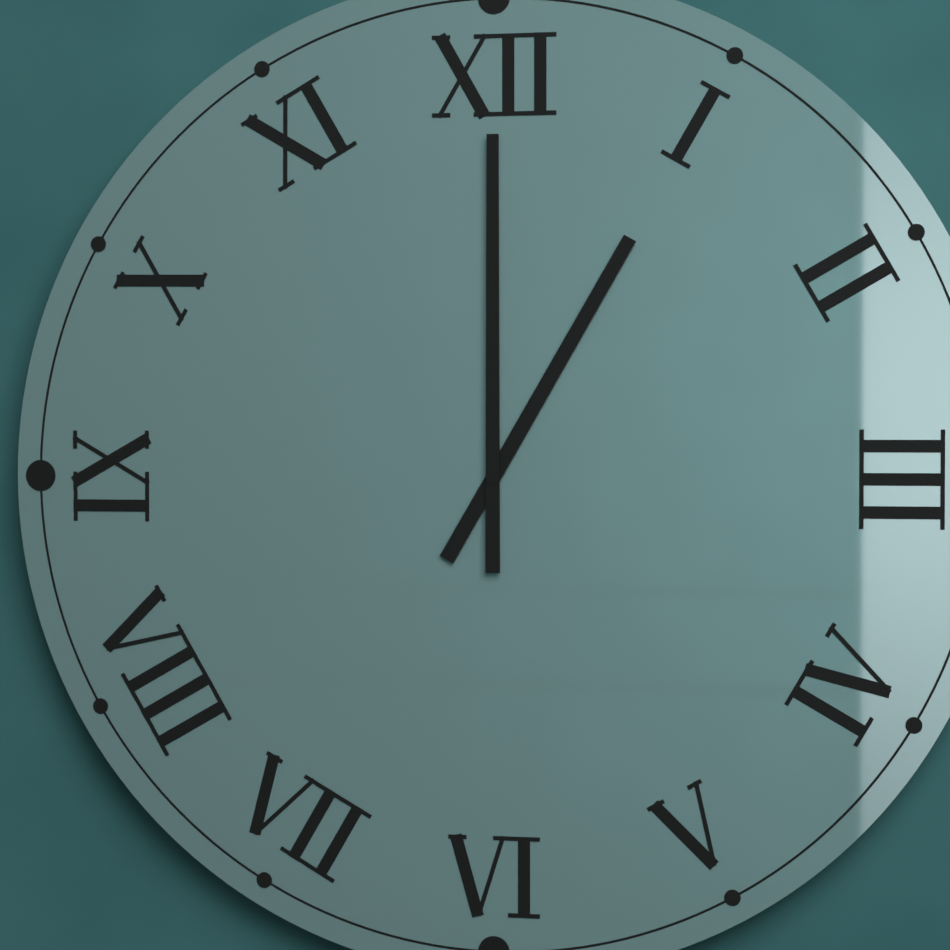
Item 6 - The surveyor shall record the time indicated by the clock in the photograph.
1:00
